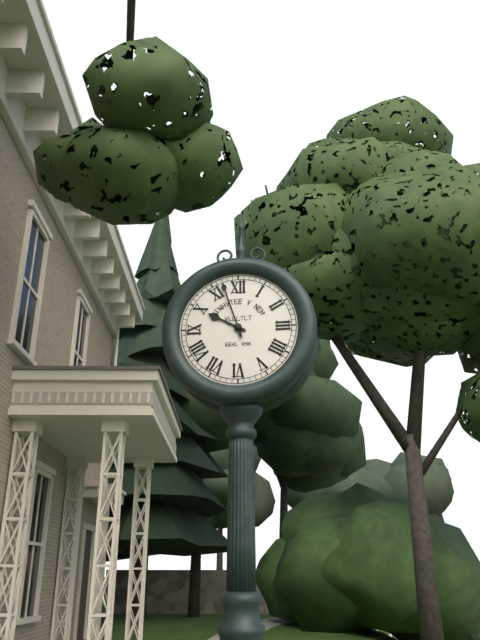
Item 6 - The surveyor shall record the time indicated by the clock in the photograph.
9:57
